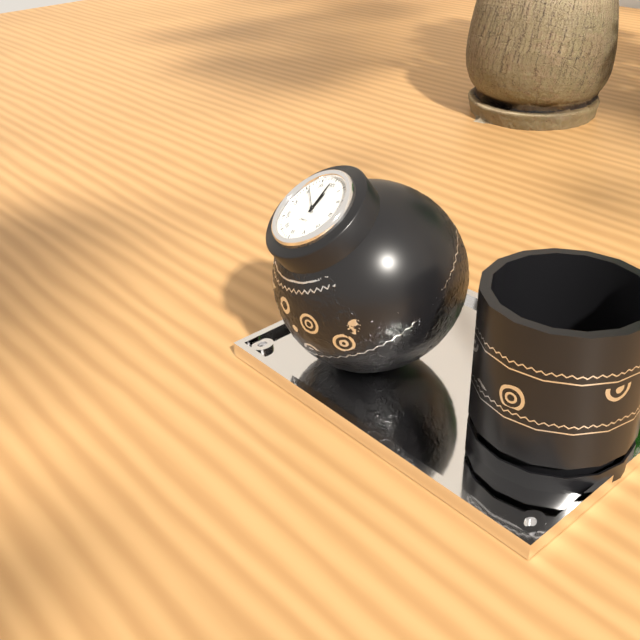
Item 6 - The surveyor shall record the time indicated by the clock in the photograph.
11:59:51
